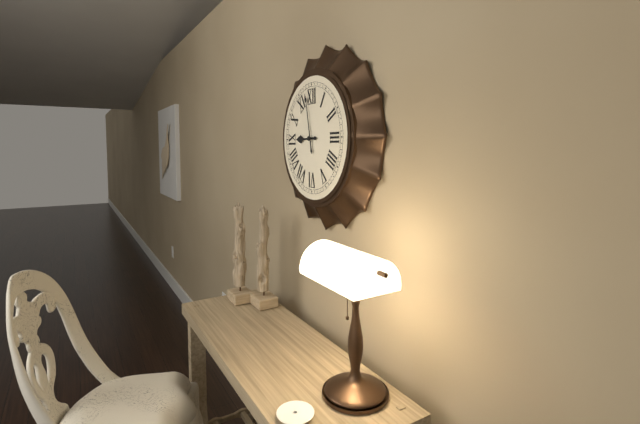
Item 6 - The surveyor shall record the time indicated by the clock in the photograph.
8:58
